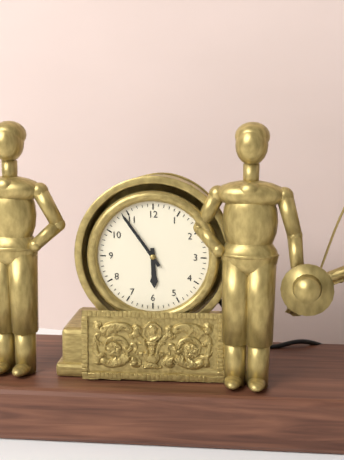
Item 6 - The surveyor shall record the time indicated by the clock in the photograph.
5:54
